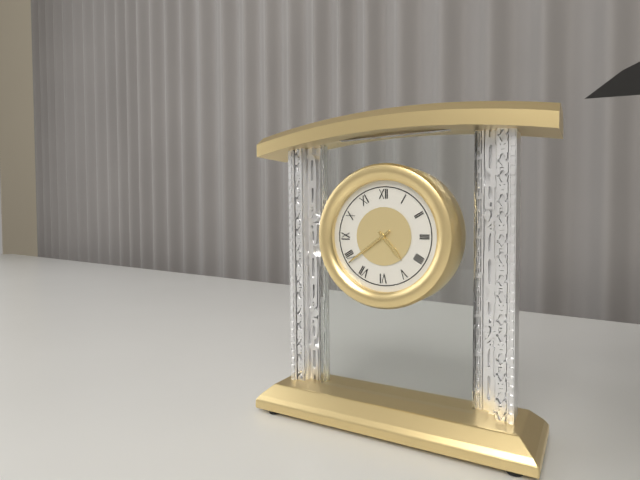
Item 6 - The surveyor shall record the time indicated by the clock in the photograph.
4:39
